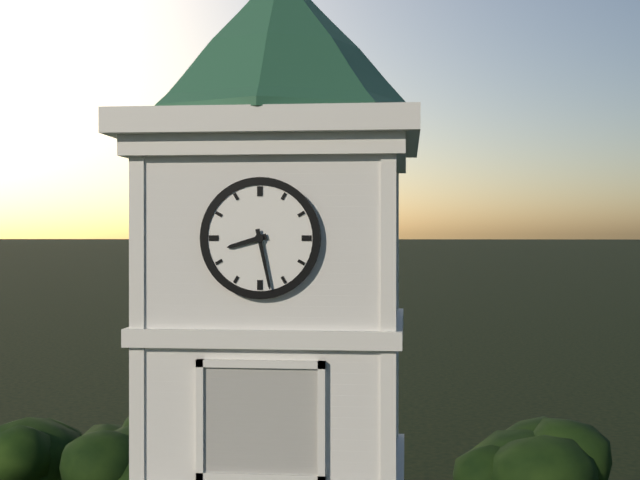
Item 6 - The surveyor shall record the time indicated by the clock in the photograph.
8:28
